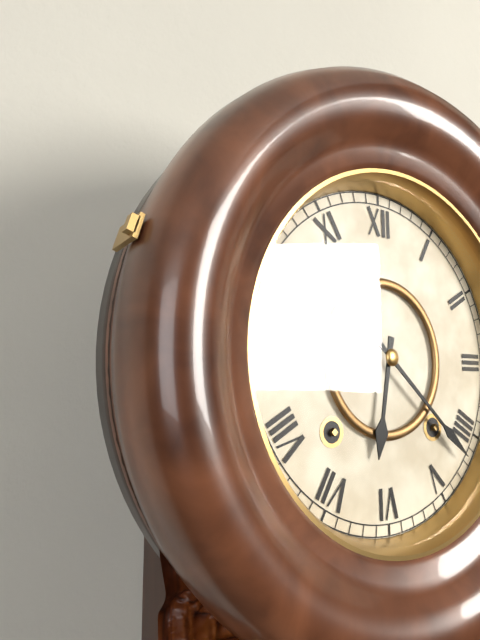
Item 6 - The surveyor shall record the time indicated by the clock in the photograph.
6:22
